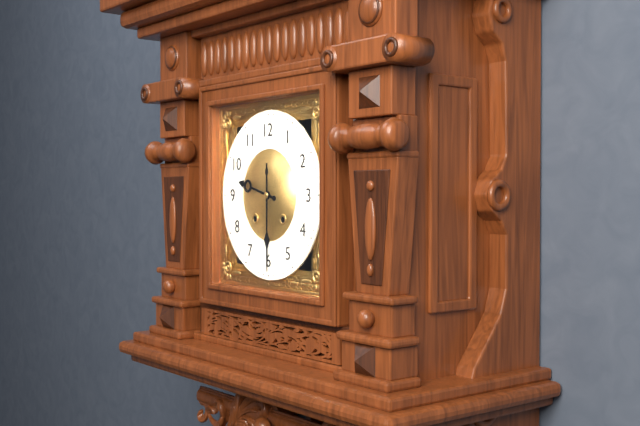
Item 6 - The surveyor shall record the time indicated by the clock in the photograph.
9:30
